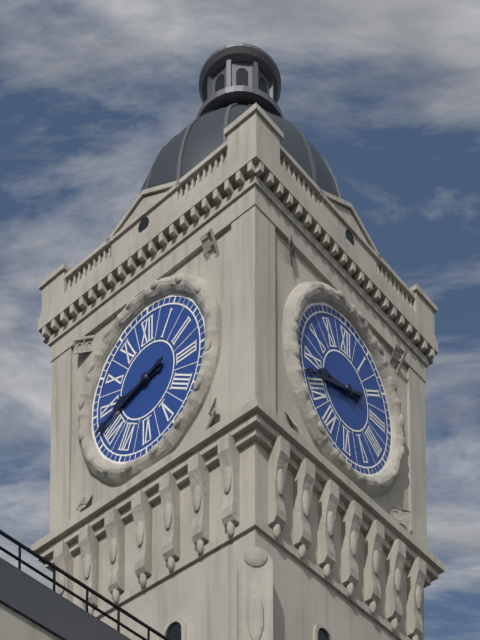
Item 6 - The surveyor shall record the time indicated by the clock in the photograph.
8:42
